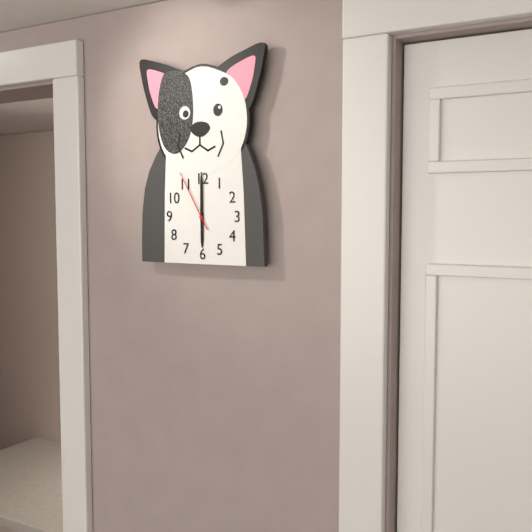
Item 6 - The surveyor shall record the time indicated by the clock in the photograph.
6:00:55
